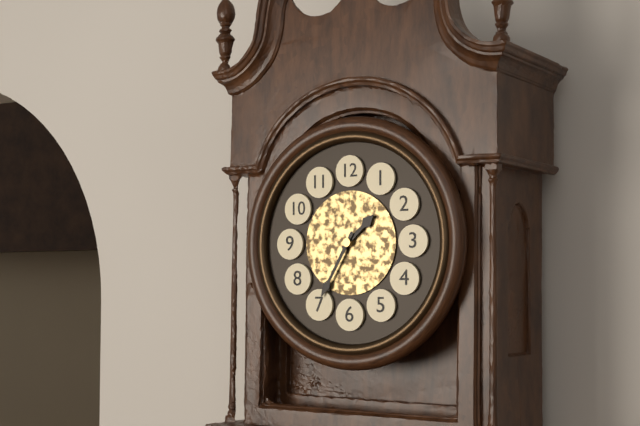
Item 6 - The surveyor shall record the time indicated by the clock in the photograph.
1:35
